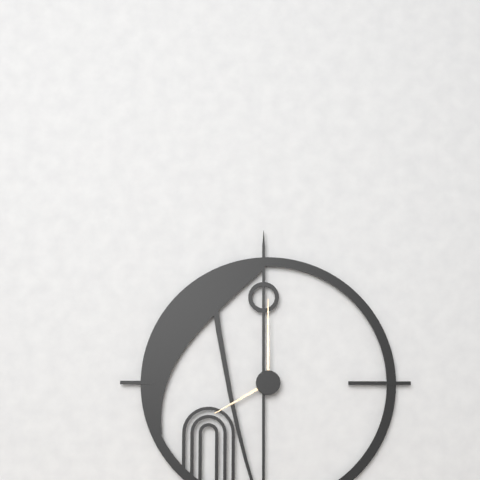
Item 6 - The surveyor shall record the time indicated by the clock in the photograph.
8:00
